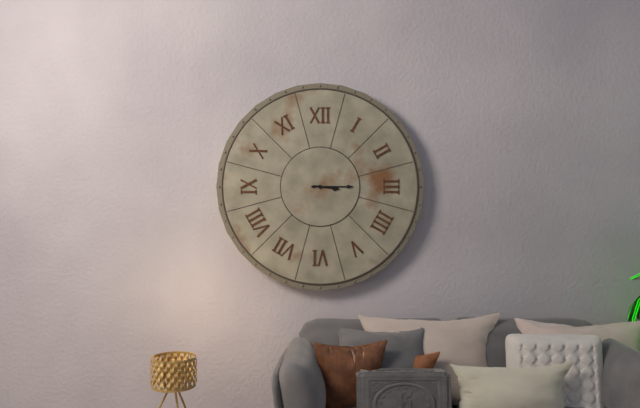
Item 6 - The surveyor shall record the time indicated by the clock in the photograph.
3:15
